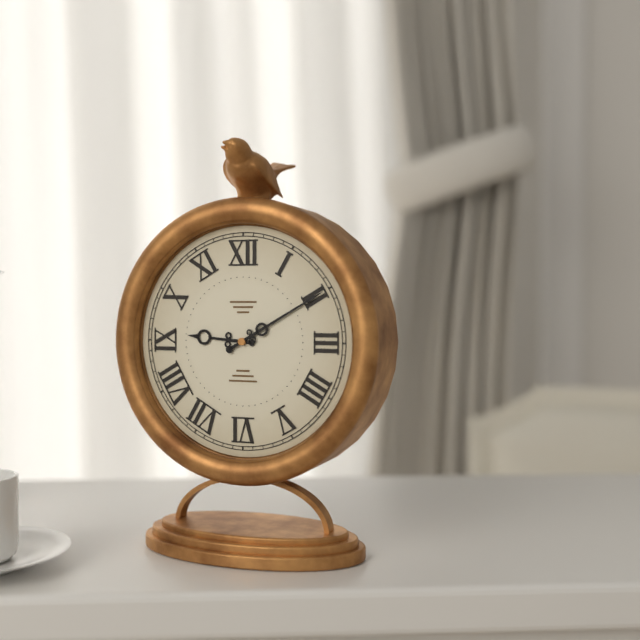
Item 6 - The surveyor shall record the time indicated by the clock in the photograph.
9:10
